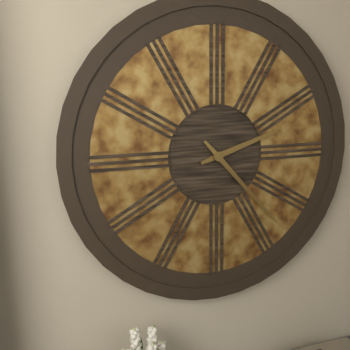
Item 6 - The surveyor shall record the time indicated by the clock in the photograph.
2:23
